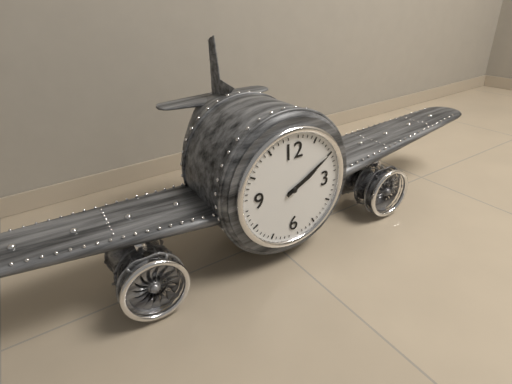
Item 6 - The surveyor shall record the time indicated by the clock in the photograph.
2:10
